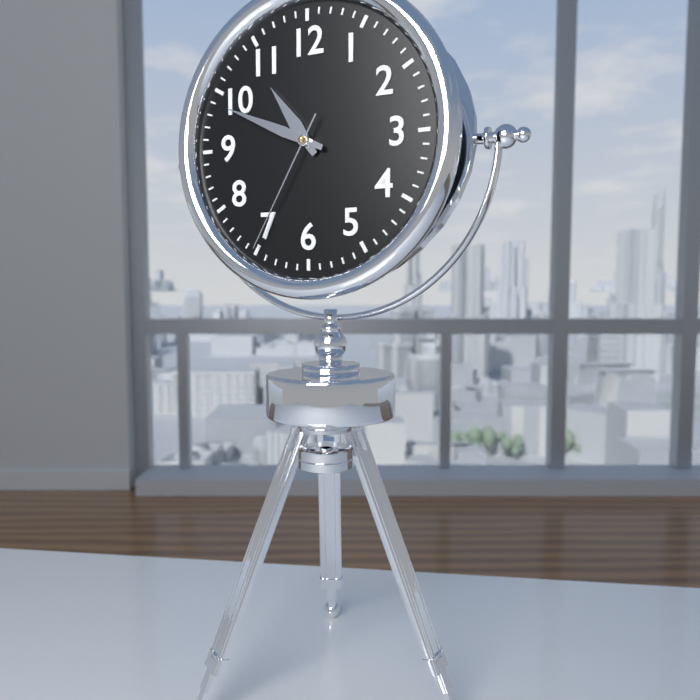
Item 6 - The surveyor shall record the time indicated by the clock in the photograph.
10:49:35
